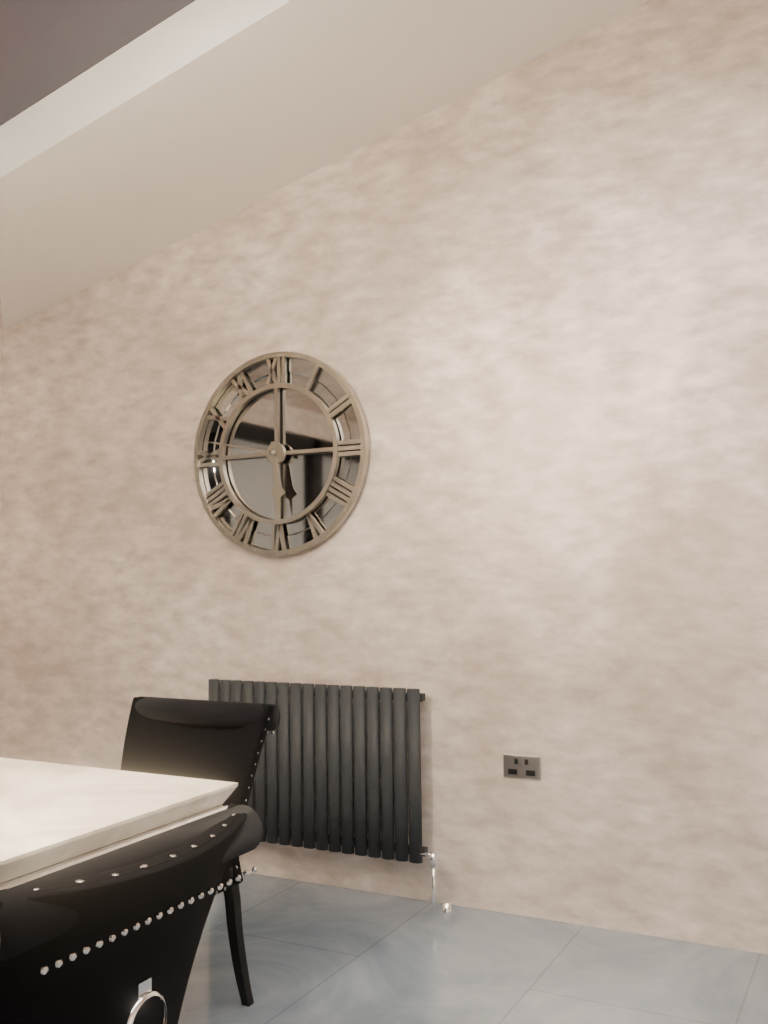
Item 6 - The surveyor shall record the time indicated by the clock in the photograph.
5:47
